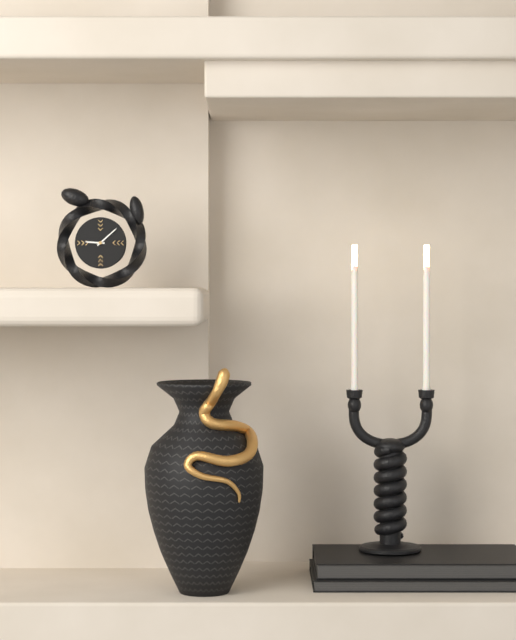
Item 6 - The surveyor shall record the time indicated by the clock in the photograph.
9:08
